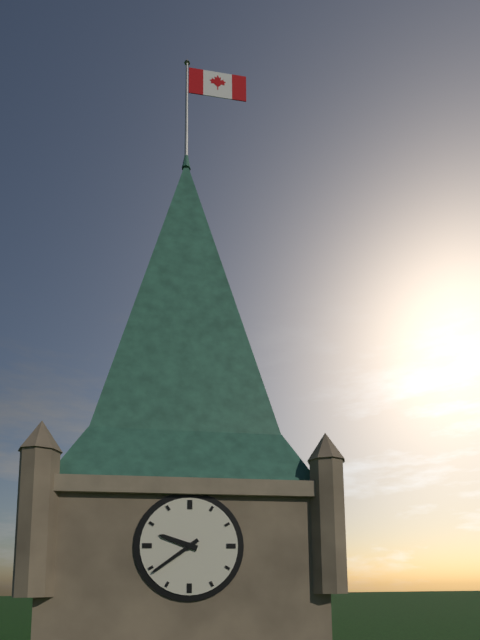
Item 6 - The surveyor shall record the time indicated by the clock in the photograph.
9:39
